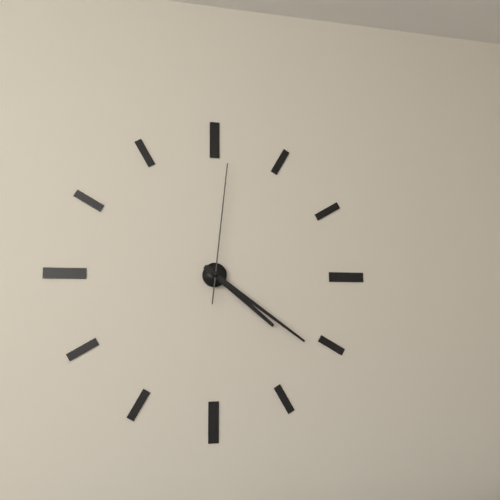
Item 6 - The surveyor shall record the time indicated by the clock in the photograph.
4:21:01
